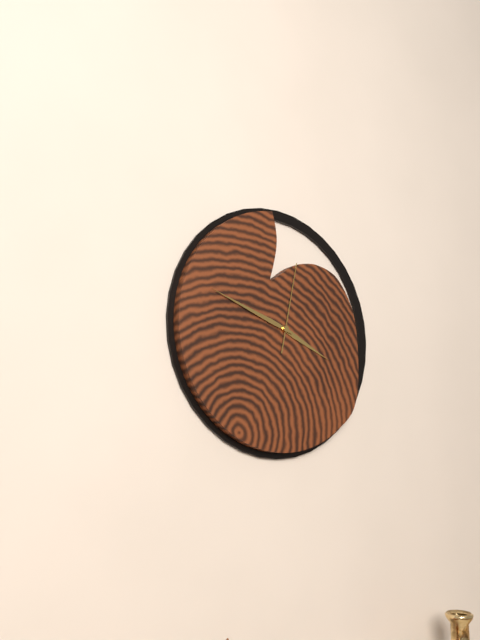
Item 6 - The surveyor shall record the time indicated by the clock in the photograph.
3:48:02
